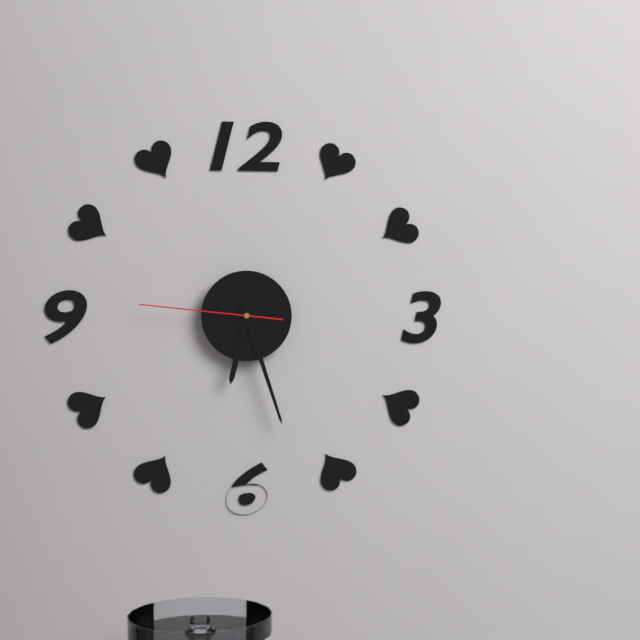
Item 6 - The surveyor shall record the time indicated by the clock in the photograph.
6:27:46
